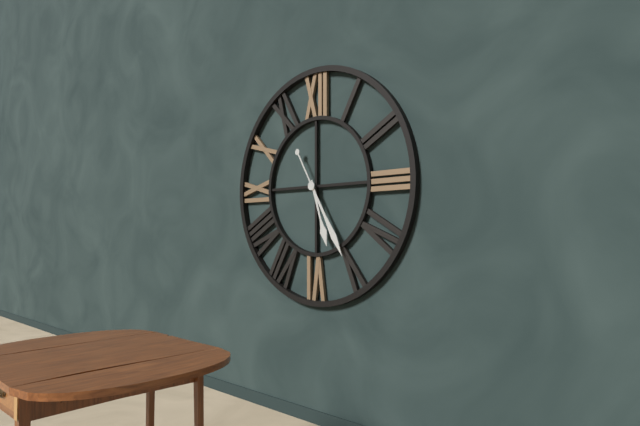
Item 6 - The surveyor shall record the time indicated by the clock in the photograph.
5:25
